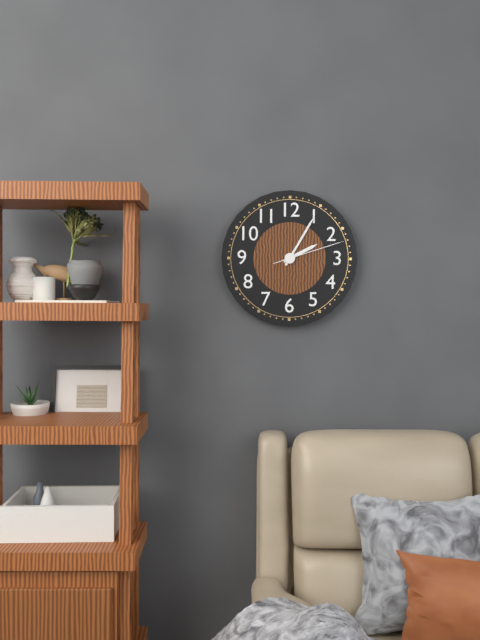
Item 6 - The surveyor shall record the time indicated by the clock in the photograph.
2:05:12
